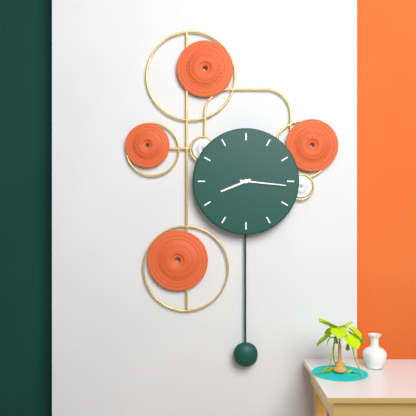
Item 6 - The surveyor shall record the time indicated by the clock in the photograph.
8:16
